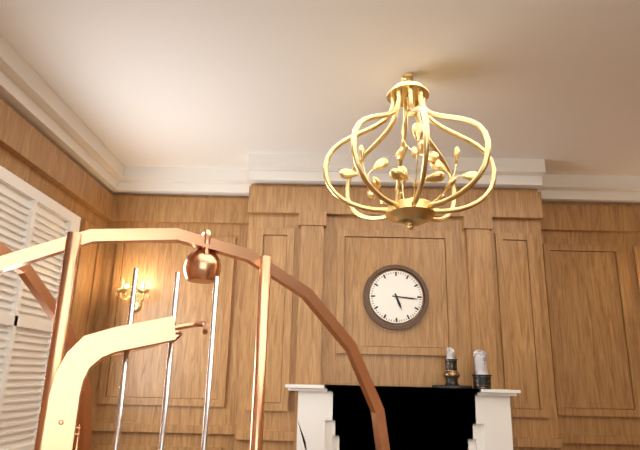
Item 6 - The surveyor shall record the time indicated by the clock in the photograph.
5:16
